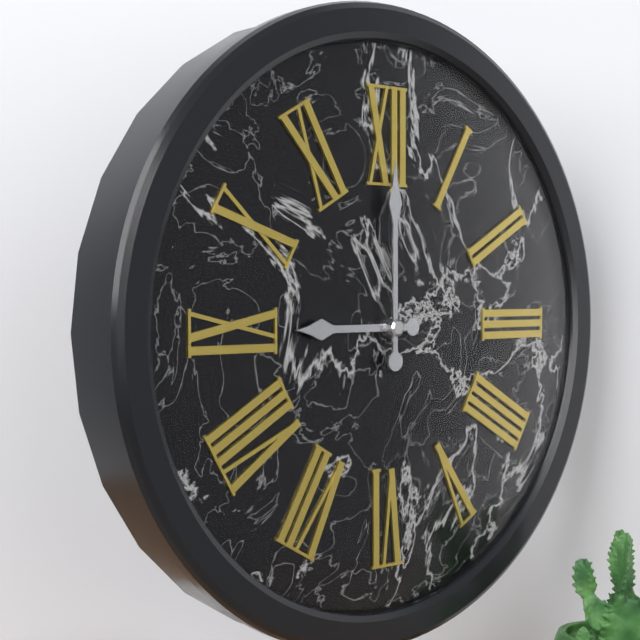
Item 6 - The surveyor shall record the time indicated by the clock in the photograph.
9:00
